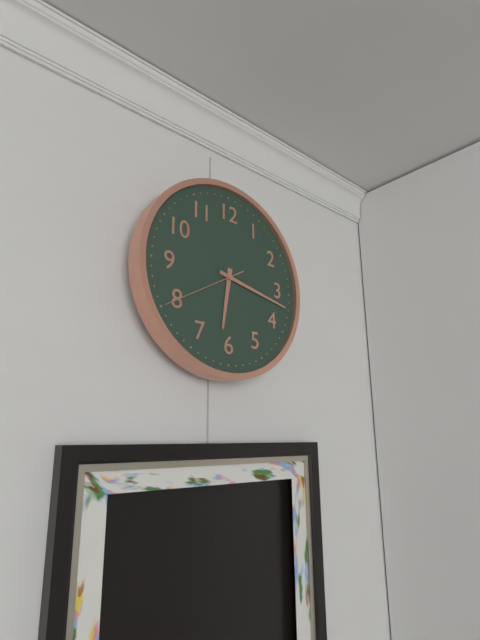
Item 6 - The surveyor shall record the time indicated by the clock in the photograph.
6:17:40
